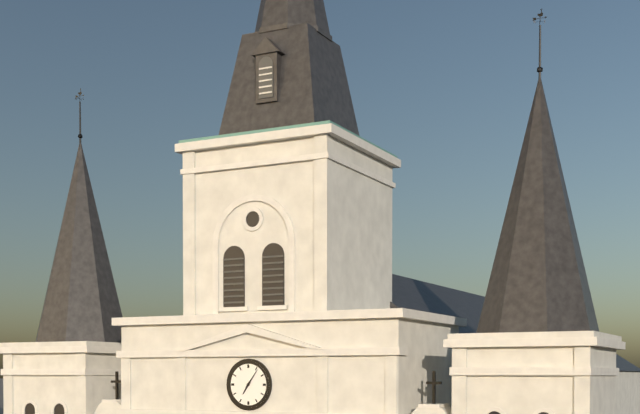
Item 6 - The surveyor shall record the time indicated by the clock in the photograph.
7:06
